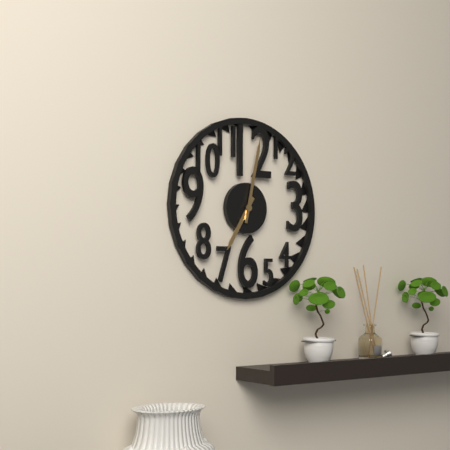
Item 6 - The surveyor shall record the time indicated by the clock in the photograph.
7:02
